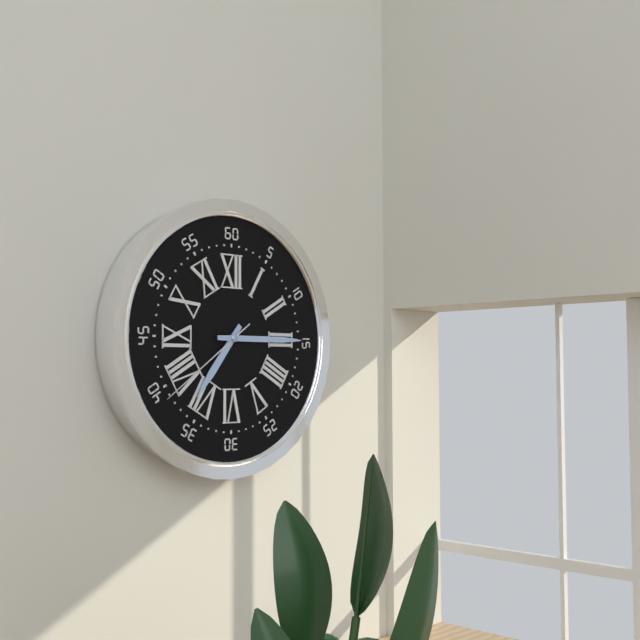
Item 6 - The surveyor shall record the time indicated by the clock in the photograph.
7:15:39
